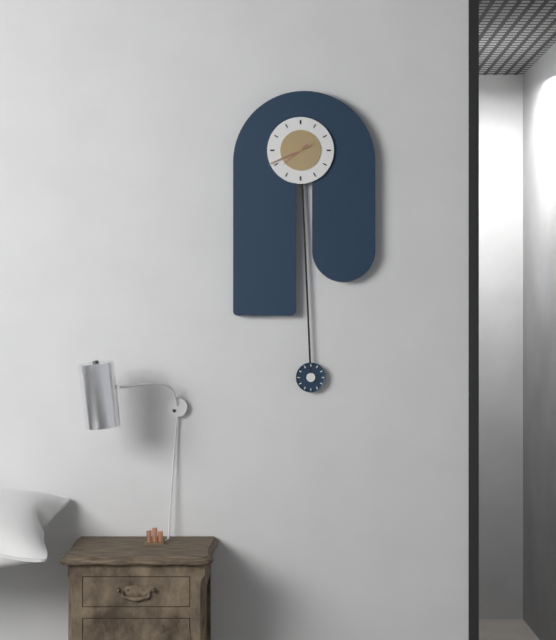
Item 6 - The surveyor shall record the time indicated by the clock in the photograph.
7:41
